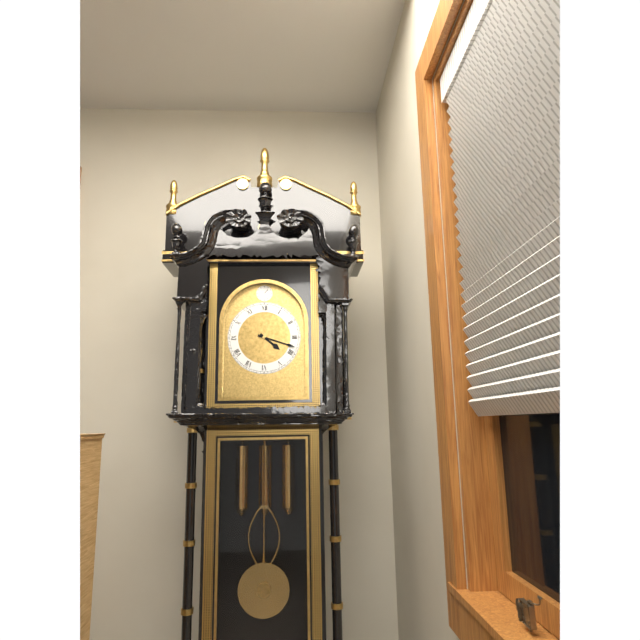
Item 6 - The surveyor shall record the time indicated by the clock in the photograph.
4:18
